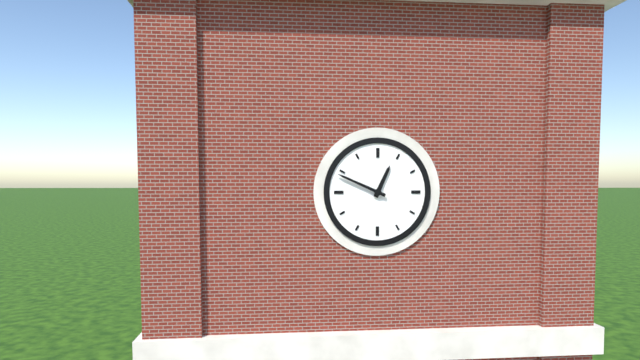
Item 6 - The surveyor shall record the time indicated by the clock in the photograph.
12:49
